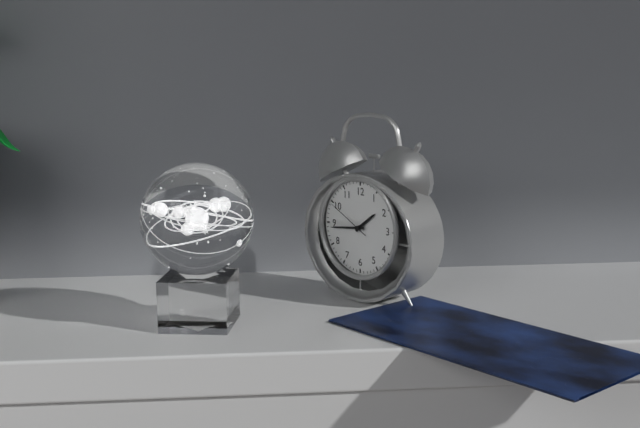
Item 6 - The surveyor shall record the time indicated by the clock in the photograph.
1:44
